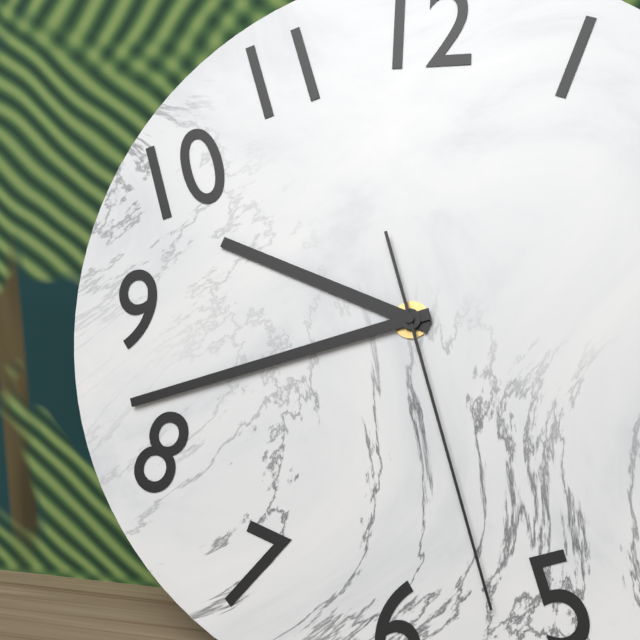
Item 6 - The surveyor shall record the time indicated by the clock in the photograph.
9:42:27
